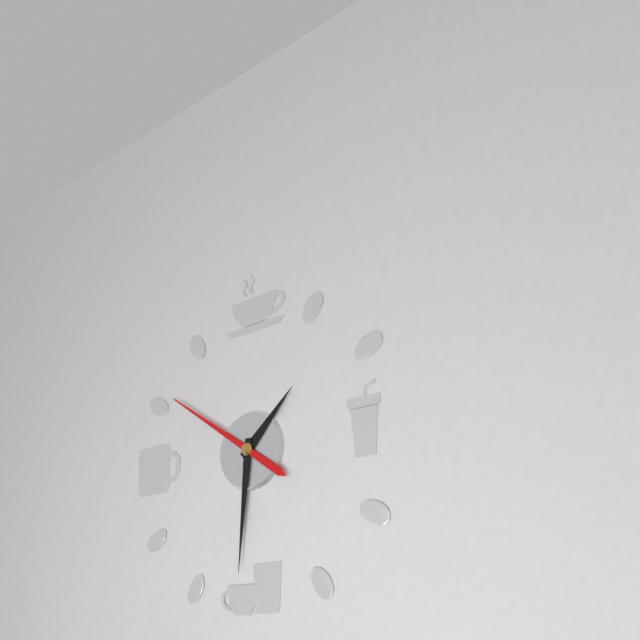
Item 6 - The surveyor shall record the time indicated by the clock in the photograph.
1:31:51
